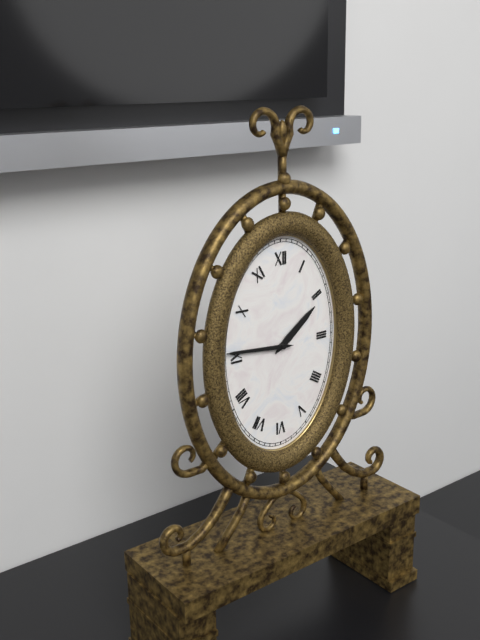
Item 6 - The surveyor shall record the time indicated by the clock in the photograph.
1:46
